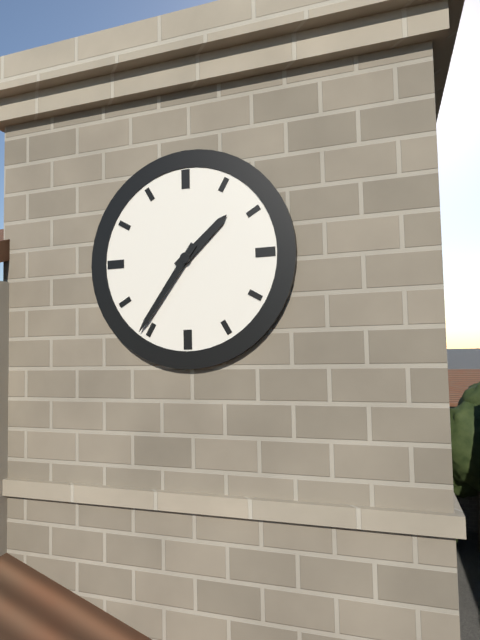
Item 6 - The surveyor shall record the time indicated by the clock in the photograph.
1:36
